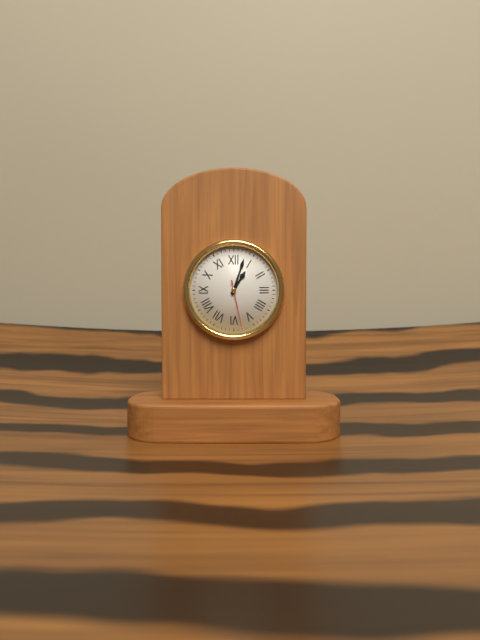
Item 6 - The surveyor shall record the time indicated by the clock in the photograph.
1:03
